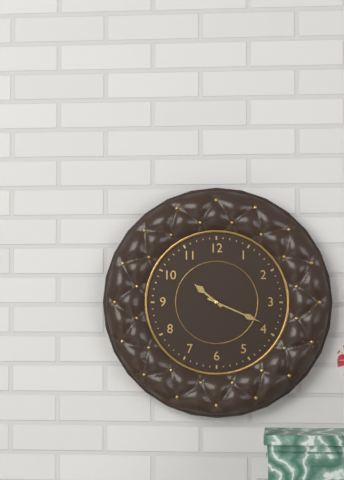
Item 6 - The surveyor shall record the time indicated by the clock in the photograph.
10:19
